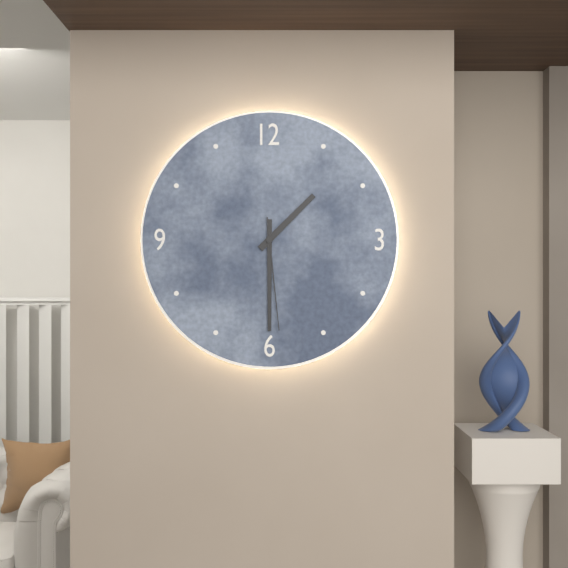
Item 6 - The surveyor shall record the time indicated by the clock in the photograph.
1:30:29
